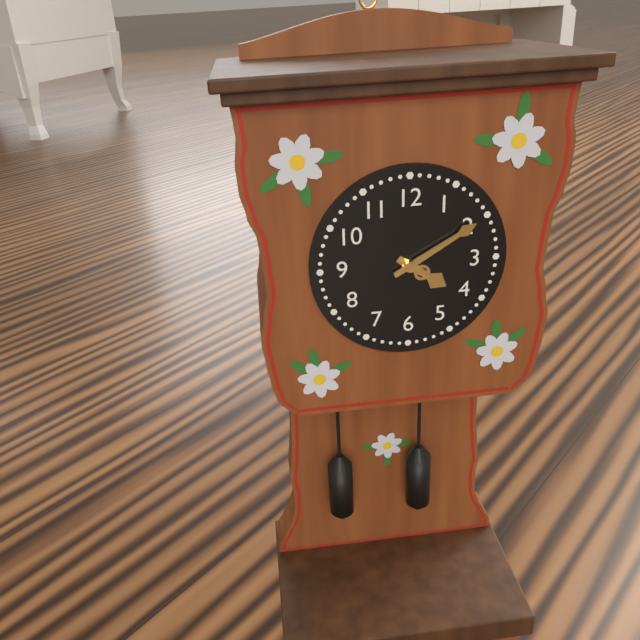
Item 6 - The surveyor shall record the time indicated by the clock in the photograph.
4:10
